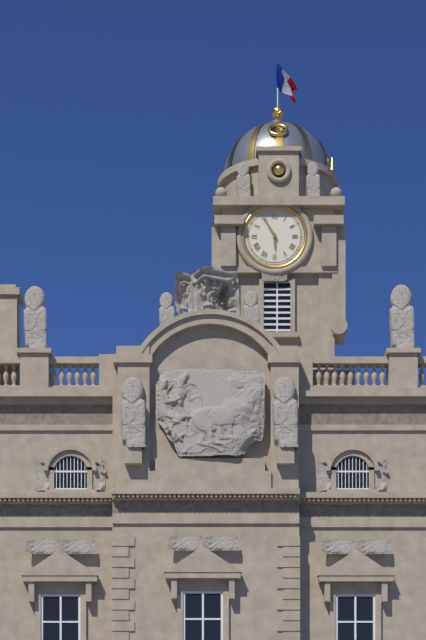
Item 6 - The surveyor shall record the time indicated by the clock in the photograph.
5:55
